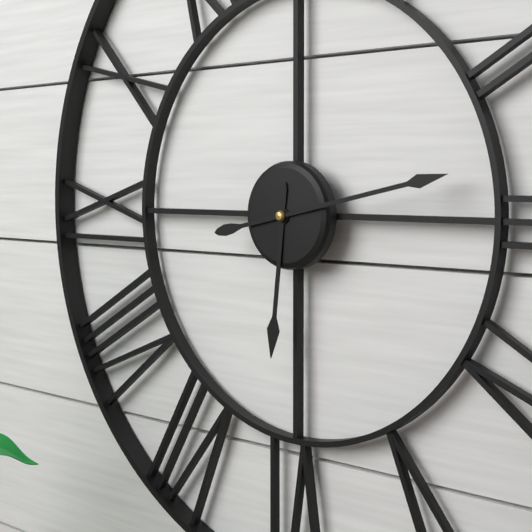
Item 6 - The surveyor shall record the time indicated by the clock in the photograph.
6:13
